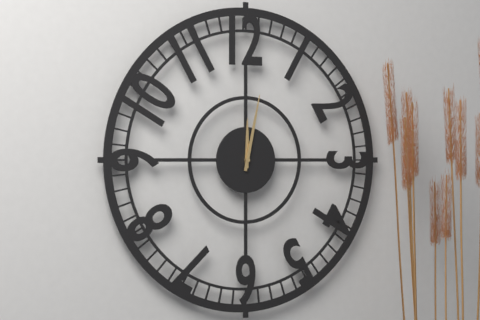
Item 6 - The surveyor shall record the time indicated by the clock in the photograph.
12:02
